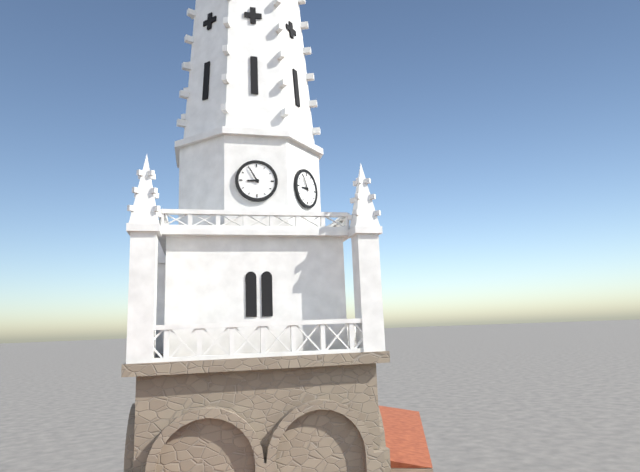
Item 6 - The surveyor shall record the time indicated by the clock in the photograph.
8:55
